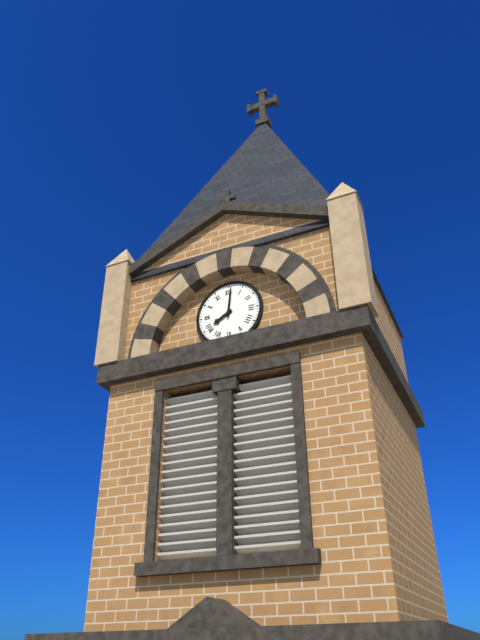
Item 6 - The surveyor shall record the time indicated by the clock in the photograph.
8:01
